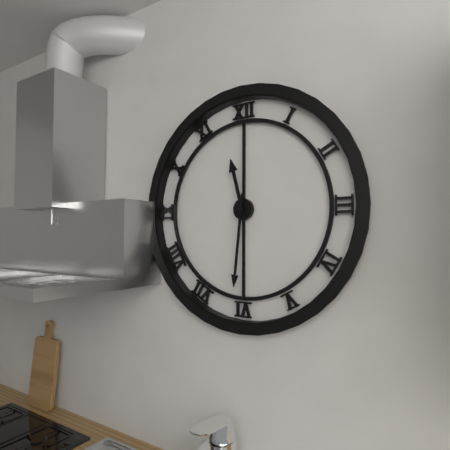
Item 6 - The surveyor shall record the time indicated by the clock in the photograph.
11:31
